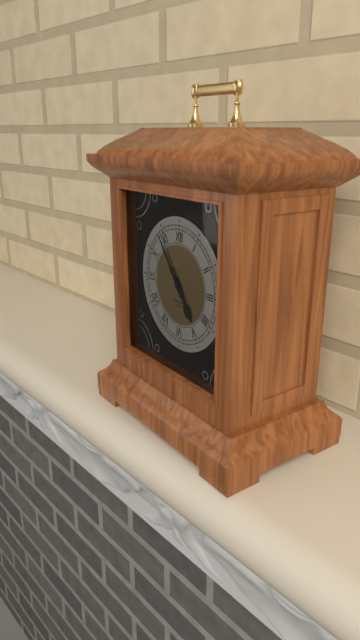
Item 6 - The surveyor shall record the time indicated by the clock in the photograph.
4:54
